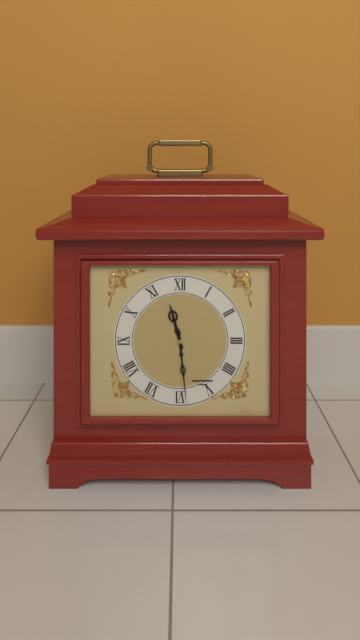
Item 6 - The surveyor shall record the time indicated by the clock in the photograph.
11:29
